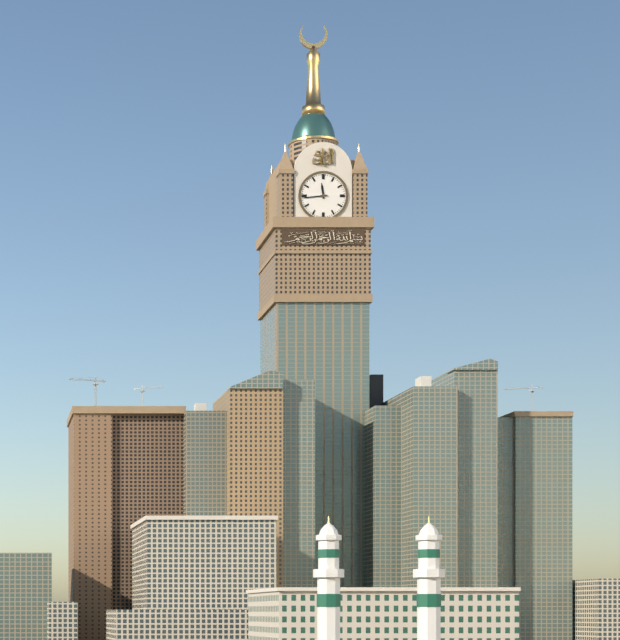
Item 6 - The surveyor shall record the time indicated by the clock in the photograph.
11:44
